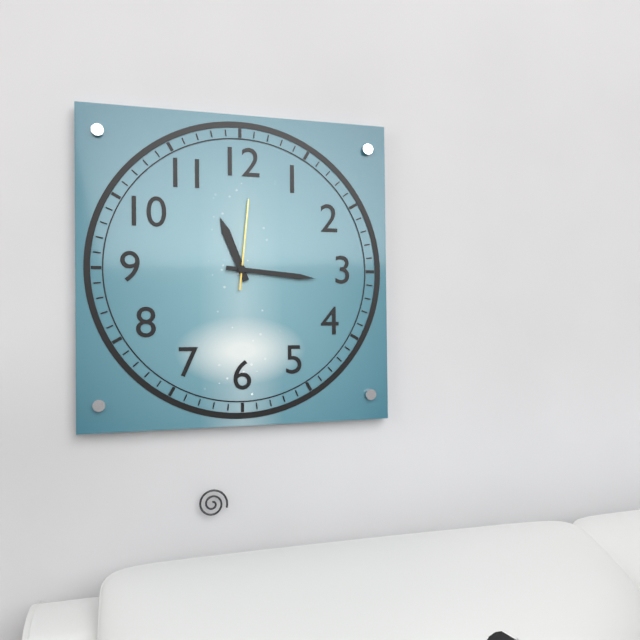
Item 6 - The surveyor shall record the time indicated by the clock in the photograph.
11:16:01
